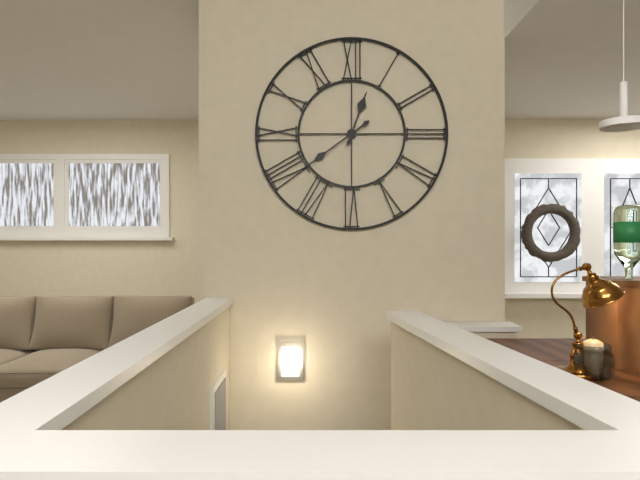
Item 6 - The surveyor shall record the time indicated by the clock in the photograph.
12:39
